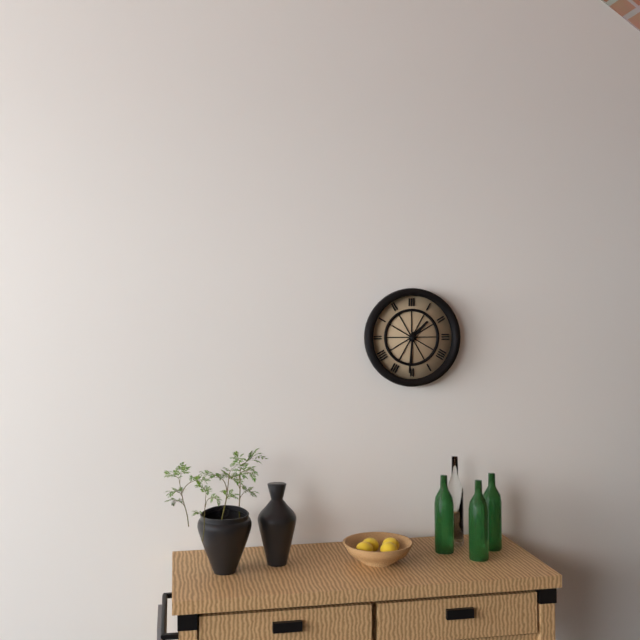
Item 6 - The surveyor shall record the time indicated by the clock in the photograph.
1:31
